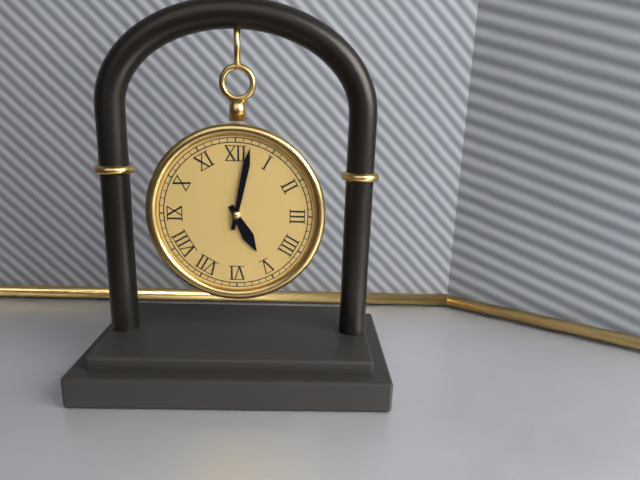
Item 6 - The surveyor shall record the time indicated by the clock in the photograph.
5:02
